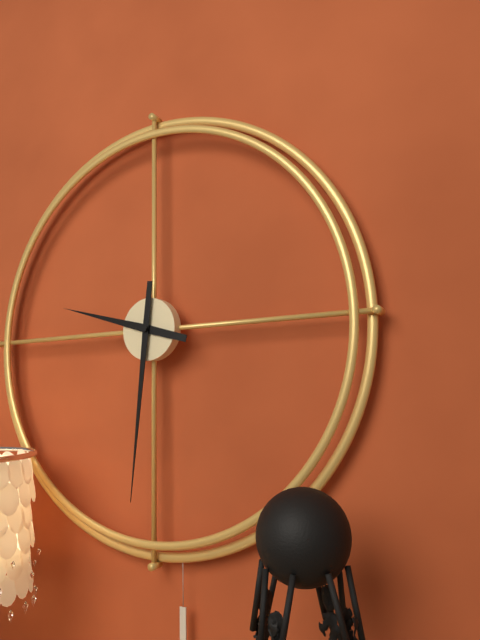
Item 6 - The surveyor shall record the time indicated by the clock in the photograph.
9:31
